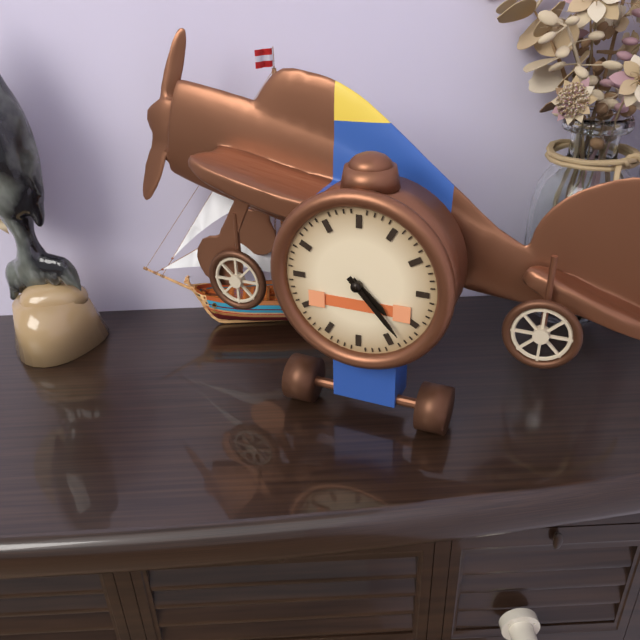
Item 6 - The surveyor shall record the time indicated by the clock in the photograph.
4:23
